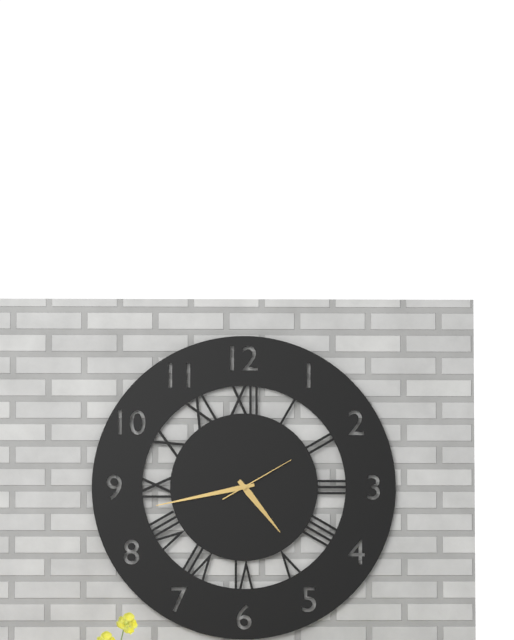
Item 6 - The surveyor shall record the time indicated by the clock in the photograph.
4:43:10
